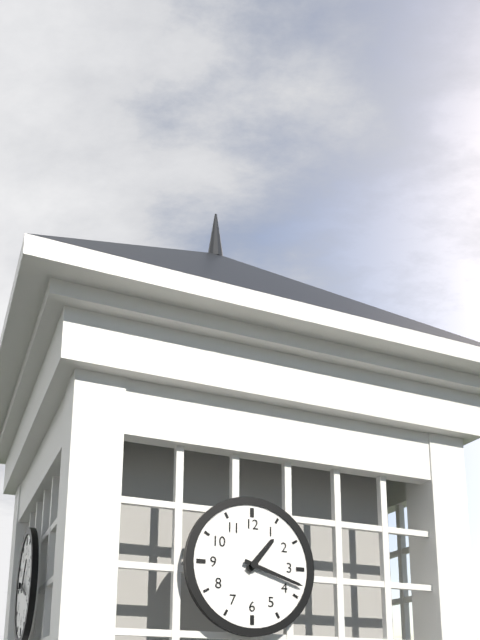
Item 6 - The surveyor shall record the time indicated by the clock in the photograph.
1:18
